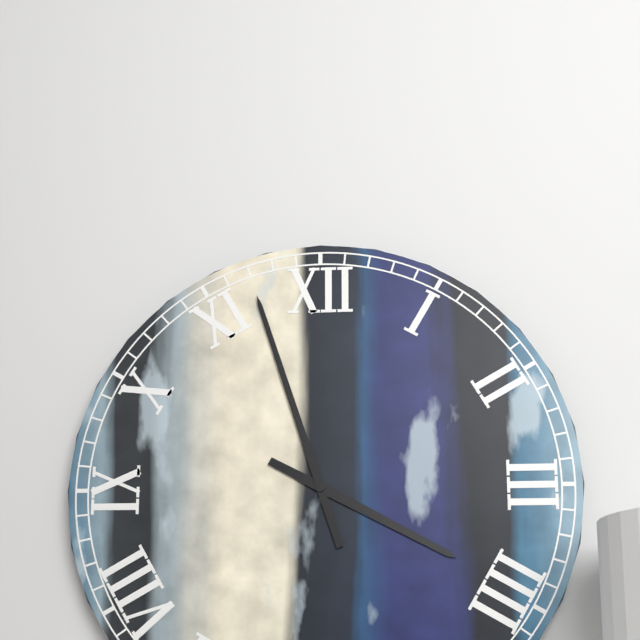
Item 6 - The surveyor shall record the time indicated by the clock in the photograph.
3:57
